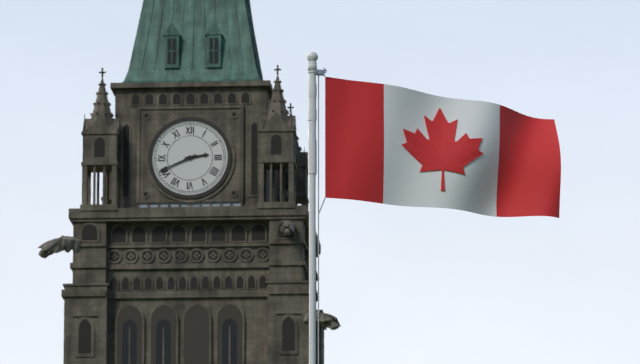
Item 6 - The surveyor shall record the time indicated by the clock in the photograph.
2:41
